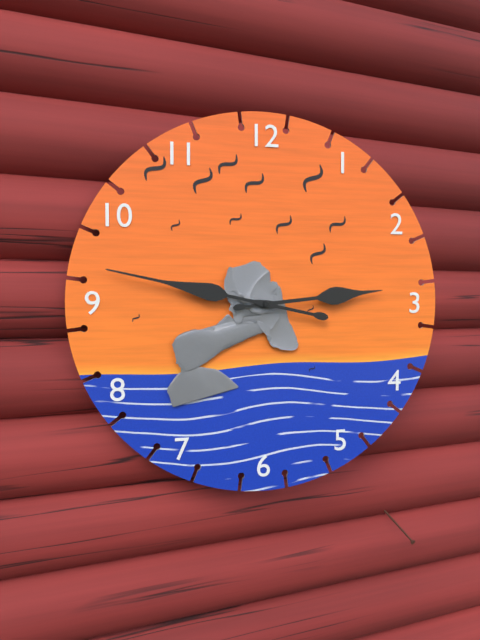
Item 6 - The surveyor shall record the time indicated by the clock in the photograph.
2:47
